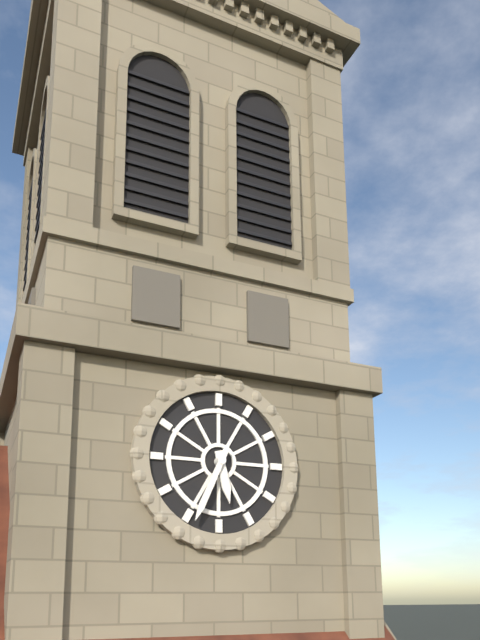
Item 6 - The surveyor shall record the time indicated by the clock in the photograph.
5:34
